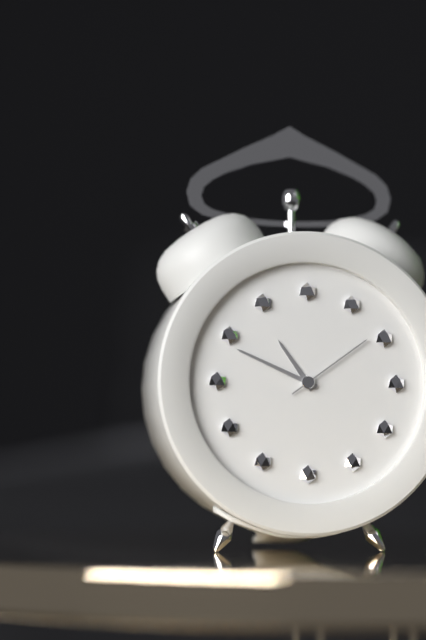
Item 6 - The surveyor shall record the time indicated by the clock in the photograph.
10:49:09
